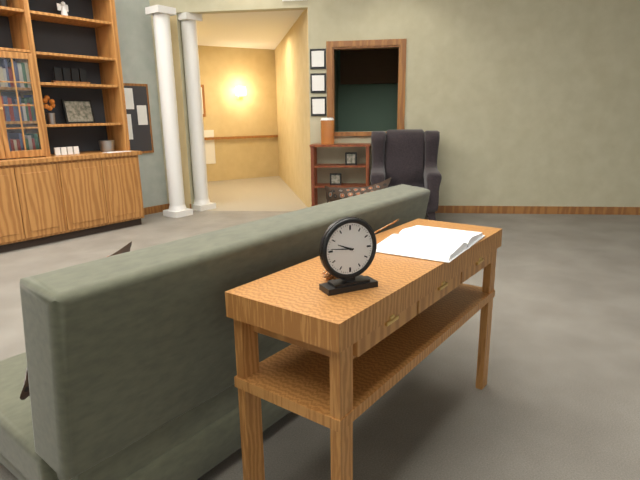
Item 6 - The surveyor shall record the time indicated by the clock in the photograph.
9:46
